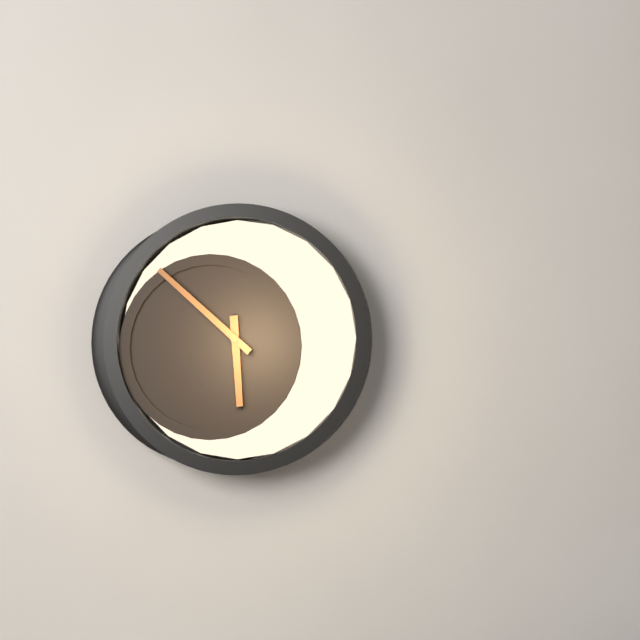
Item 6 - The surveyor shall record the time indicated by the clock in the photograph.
5:52
